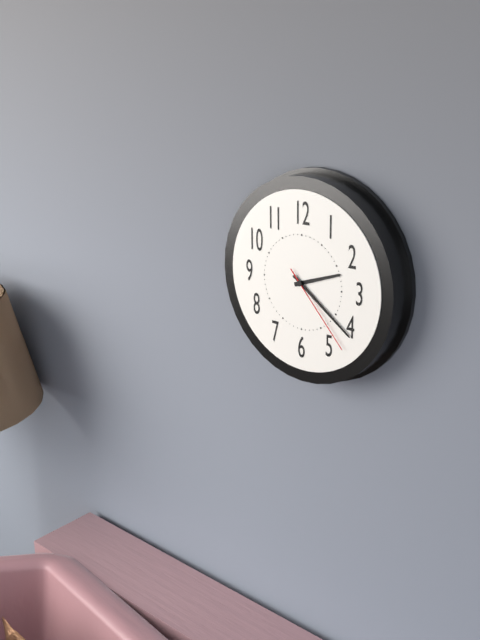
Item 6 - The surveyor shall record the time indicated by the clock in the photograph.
2:21:23
